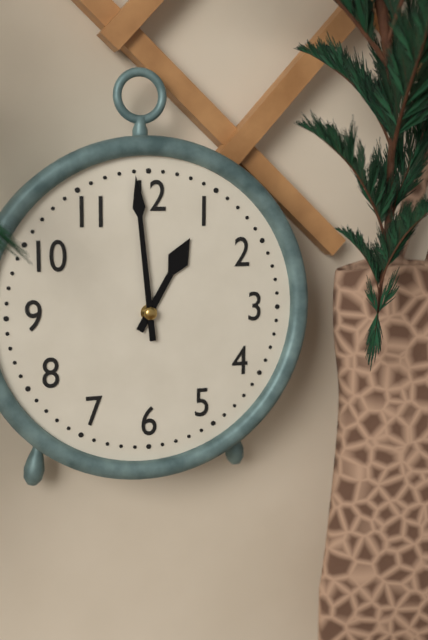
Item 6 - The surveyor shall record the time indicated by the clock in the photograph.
12:59
